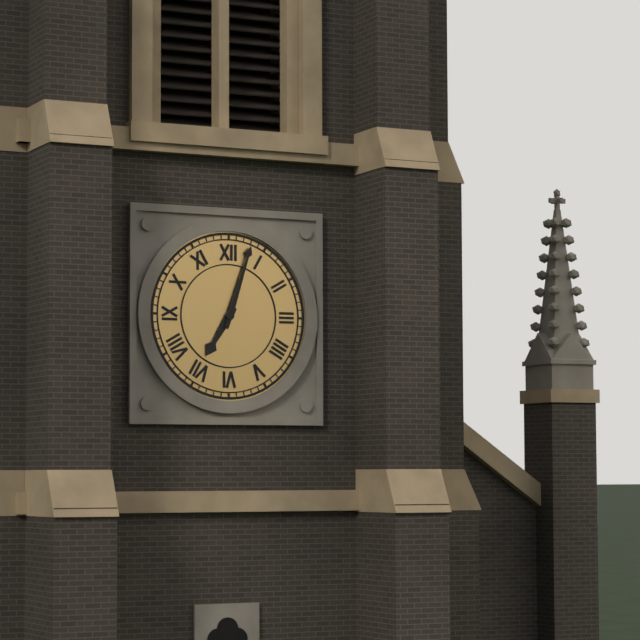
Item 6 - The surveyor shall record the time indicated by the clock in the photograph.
7:03
